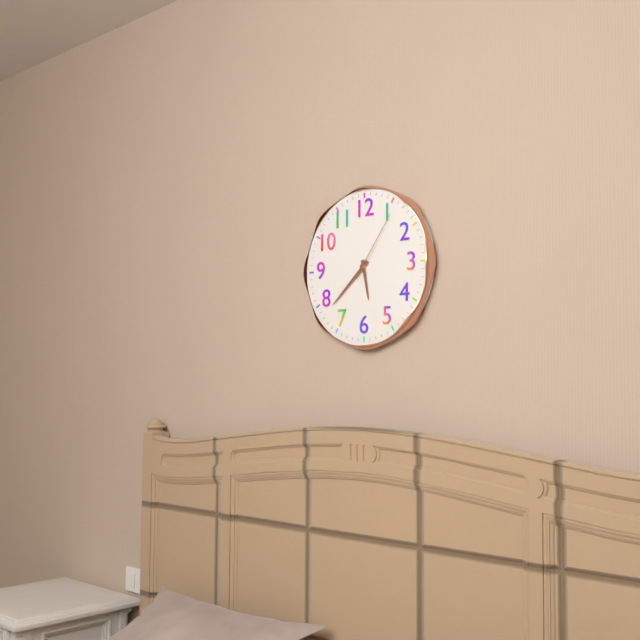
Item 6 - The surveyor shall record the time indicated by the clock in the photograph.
5:38:06
